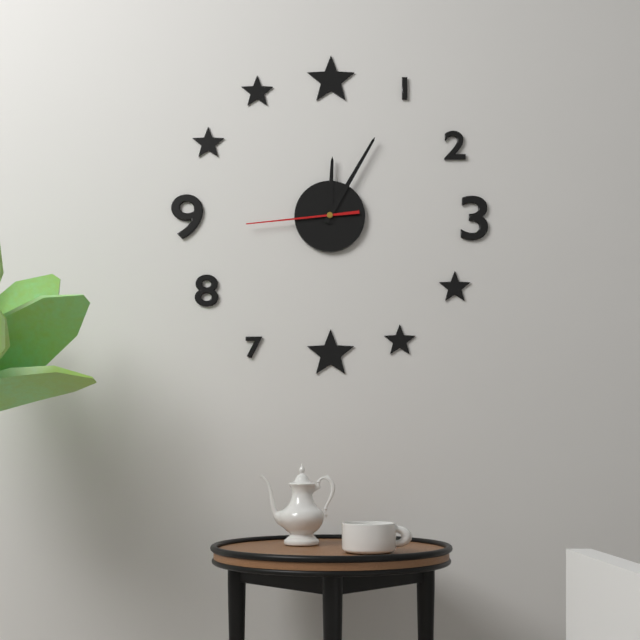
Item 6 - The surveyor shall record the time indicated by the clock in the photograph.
12:05:44
